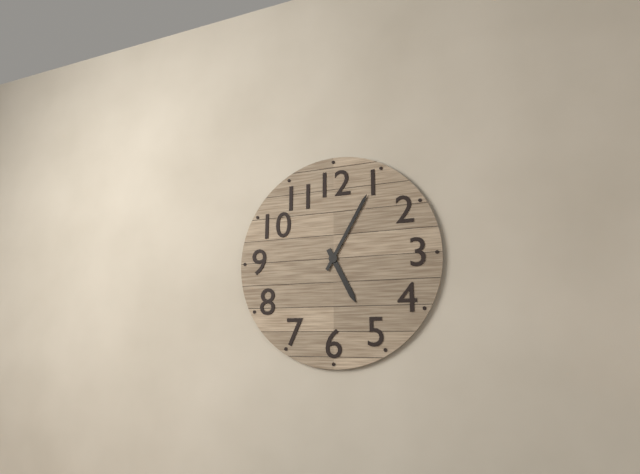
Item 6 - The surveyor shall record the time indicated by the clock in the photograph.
5:05
